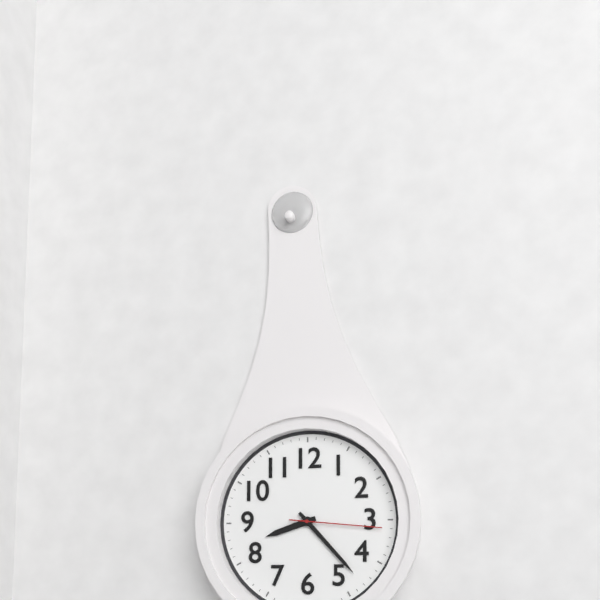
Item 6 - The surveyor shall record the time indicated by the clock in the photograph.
8:23:16
